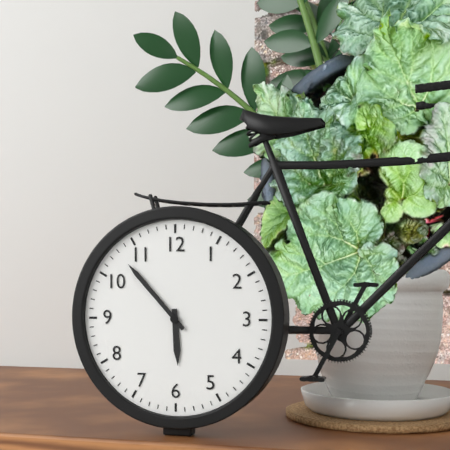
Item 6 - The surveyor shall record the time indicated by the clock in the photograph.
5:53
